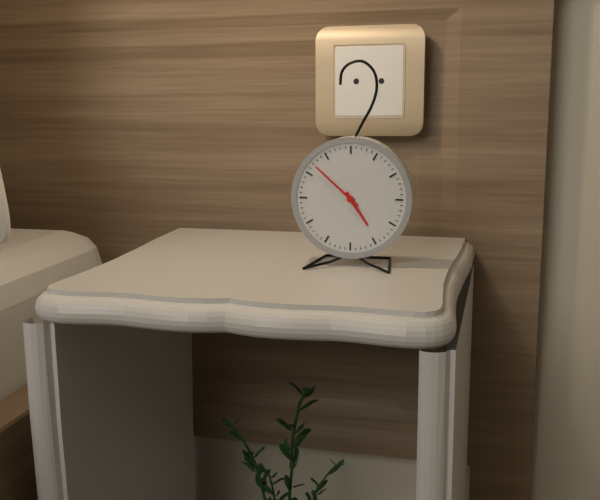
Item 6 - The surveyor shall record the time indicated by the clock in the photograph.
4:52
